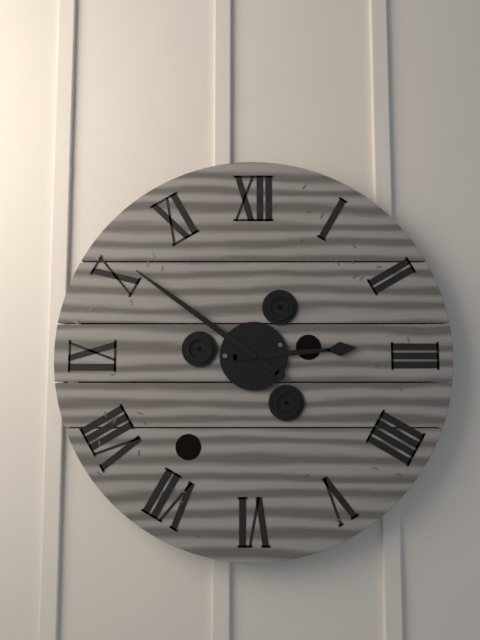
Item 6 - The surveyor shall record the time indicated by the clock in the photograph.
2:51
